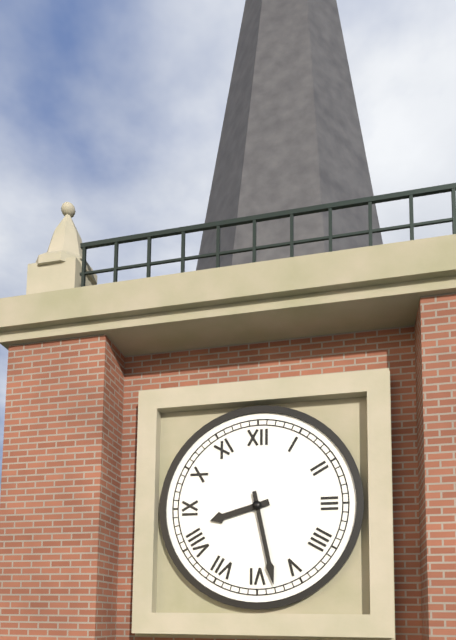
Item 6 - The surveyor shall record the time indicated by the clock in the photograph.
8:28
